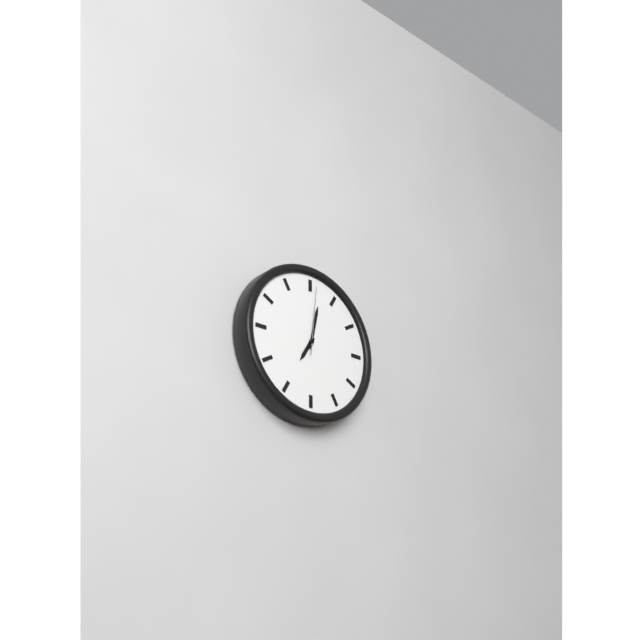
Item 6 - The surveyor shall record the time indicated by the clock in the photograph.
7:02:01
